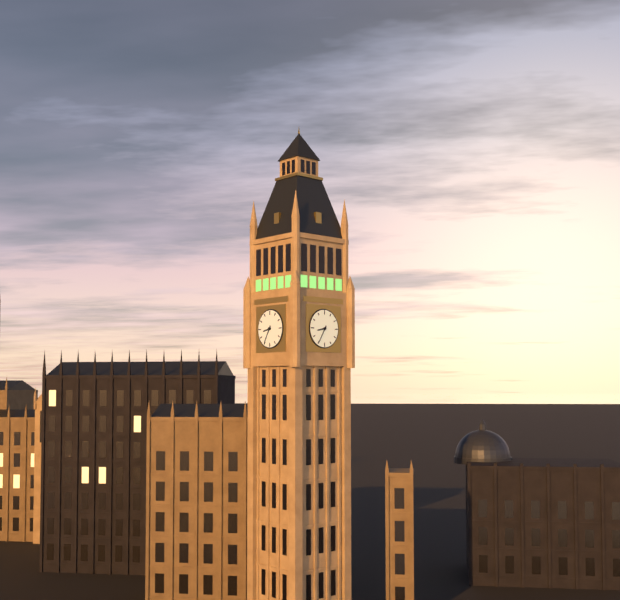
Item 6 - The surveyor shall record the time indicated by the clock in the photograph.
8:35
